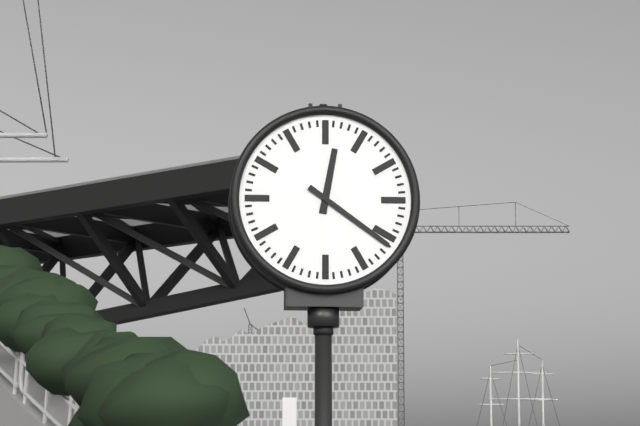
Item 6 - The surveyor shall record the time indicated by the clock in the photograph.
12:21
